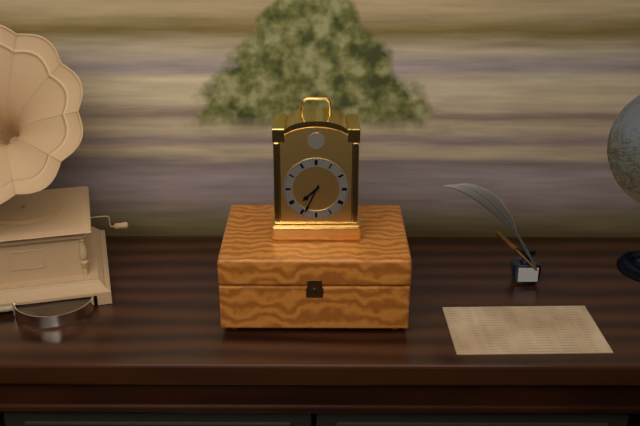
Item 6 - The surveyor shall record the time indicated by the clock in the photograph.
7:34
